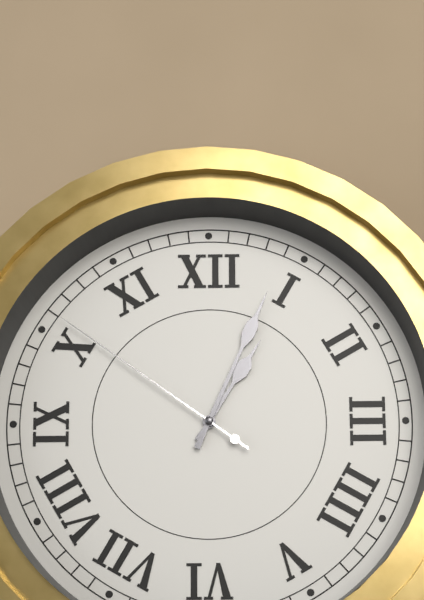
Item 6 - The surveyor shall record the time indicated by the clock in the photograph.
1:04:51
